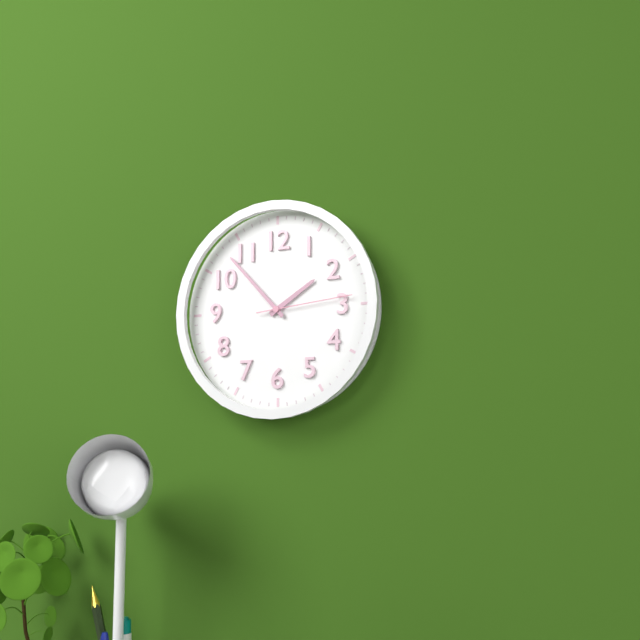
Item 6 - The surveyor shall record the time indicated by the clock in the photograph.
1:53:14
